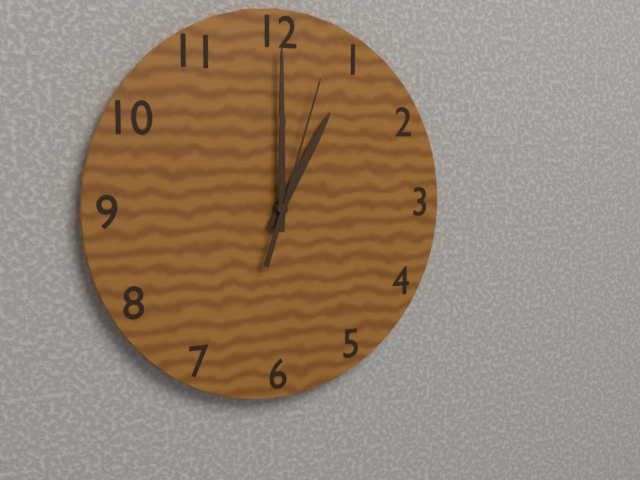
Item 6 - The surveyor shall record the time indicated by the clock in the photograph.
1:00:03
